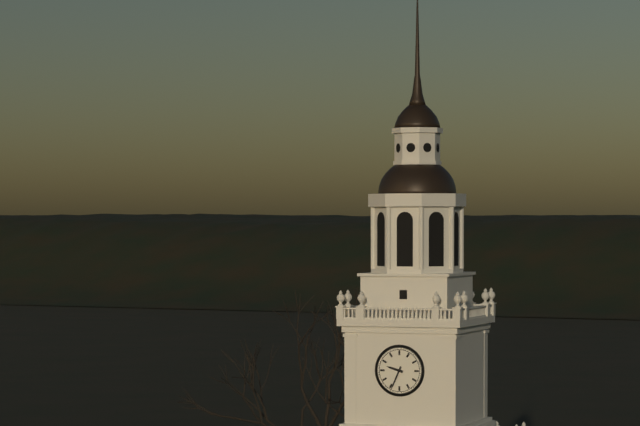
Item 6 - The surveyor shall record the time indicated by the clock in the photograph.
9:34
